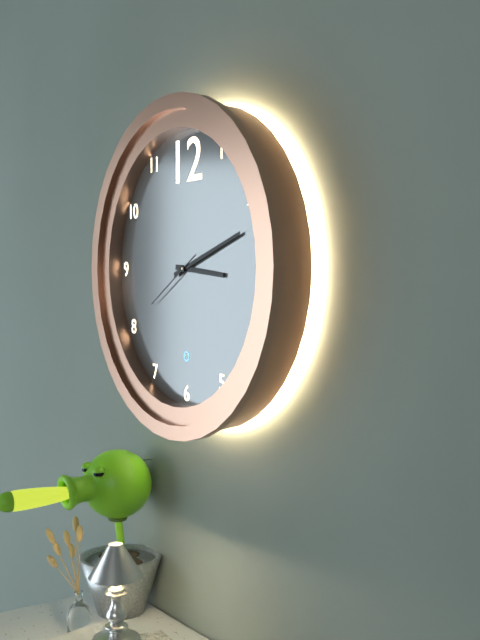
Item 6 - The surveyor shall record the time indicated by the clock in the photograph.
3:12:40
